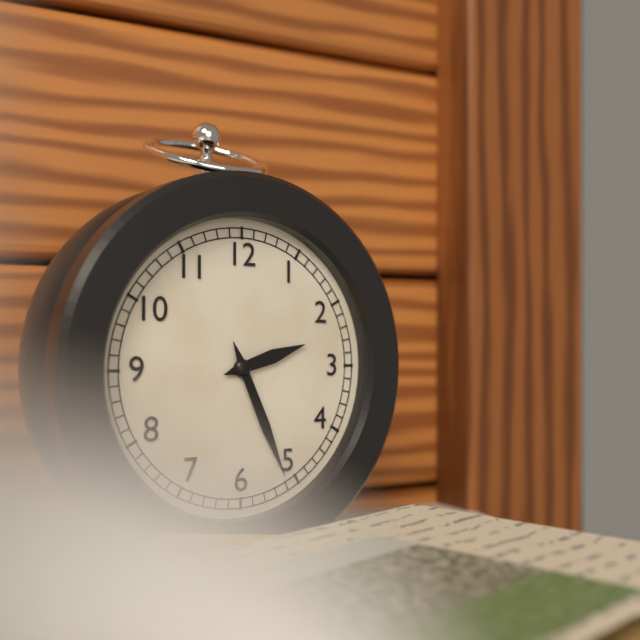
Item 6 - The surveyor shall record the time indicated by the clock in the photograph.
2:26
